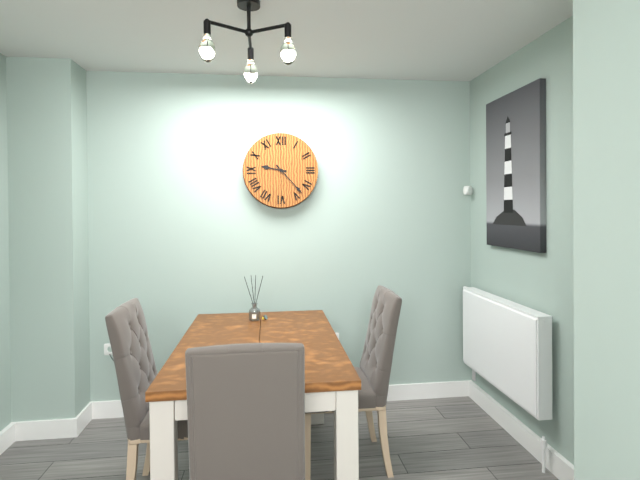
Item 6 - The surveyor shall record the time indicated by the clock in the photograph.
9:23
